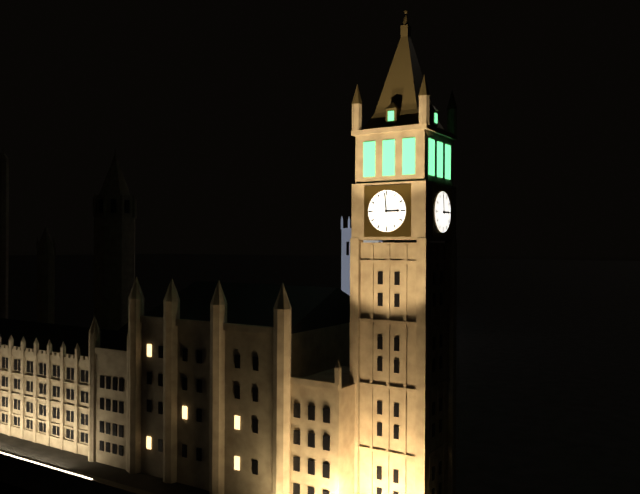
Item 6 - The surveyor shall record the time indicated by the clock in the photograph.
2:59
